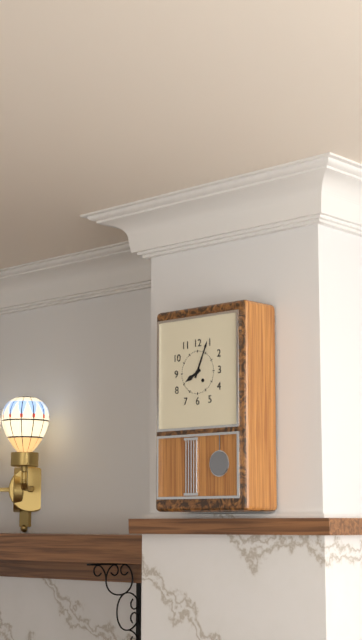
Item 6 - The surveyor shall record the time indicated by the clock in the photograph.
8:04
